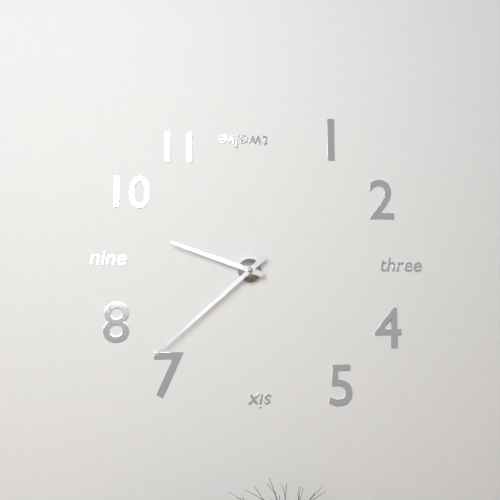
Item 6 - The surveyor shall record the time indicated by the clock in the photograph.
9:38
